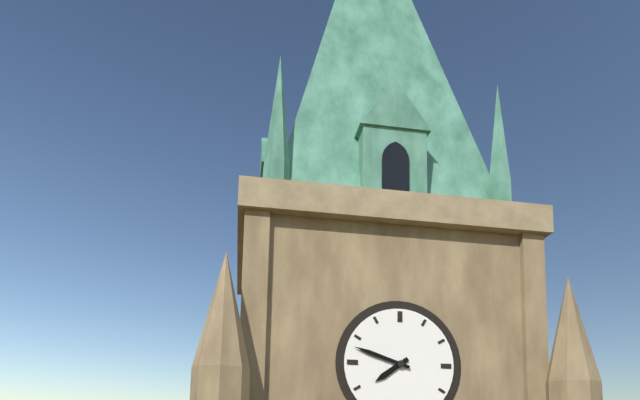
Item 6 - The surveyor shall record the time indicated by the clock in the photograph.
7:48
